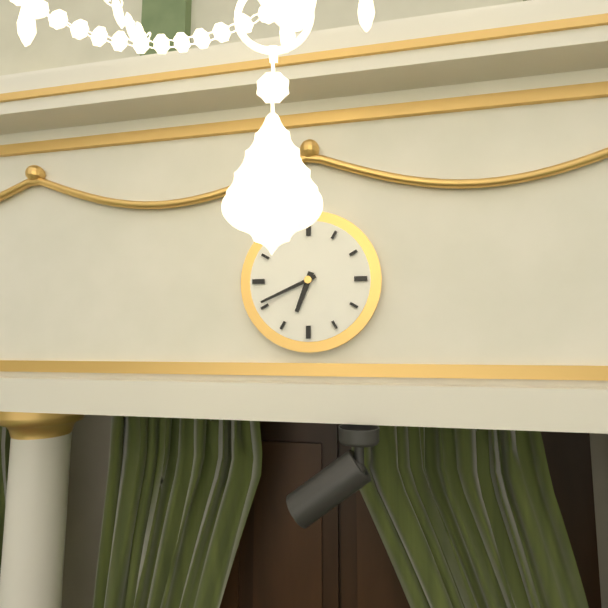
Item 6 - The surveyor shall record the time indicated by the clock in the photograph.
6:41
